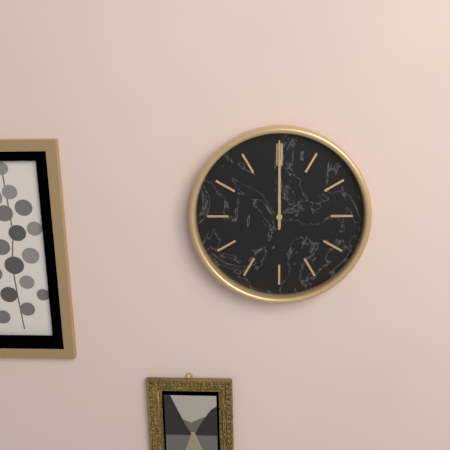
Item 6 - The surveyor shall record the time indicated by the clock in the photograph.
12:00
